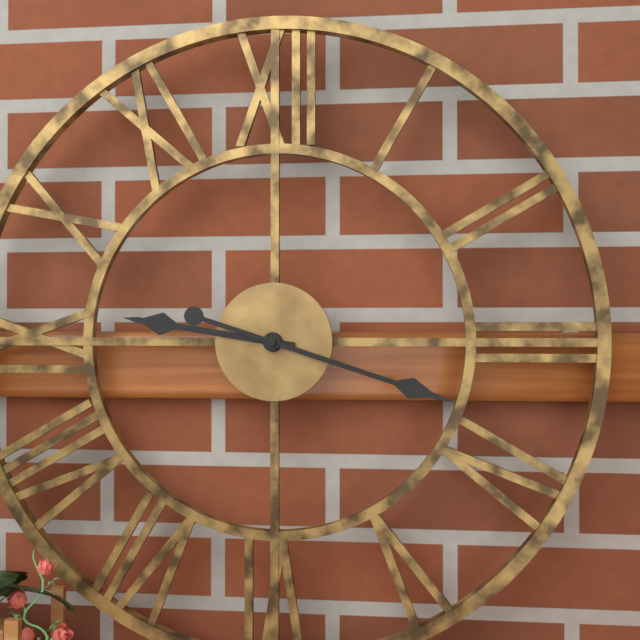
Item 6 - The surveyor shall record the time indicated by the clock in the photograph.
9:18
